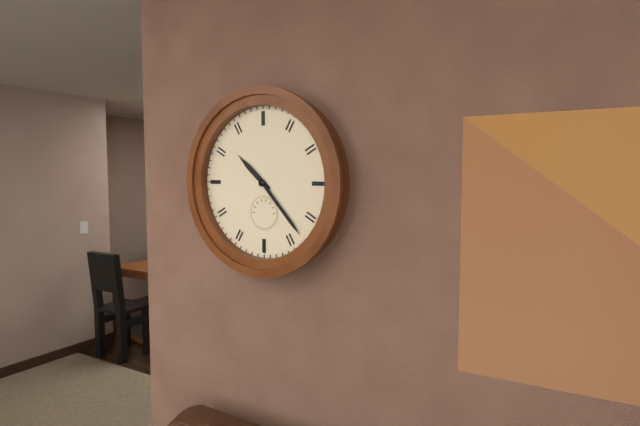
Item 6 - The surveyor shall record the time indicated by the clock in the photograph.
10:23
